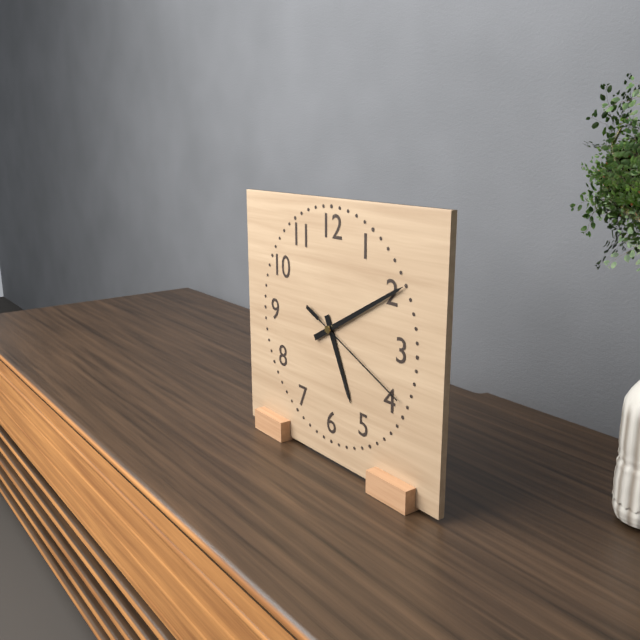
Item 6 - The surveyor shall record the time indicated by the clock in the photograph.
5:10:19
